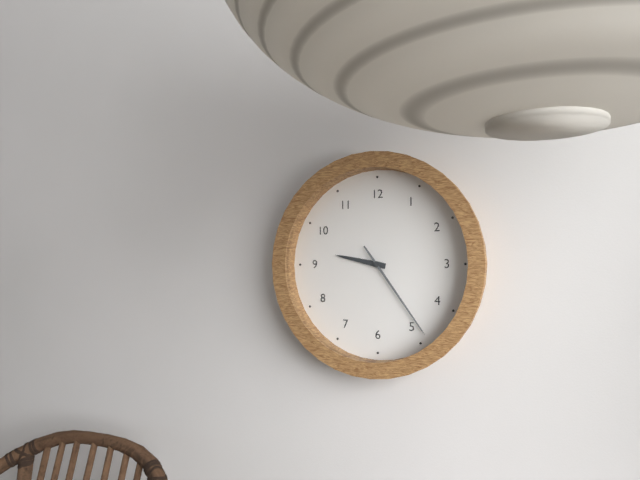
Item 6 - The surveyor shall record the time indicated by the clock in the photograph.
9:24
